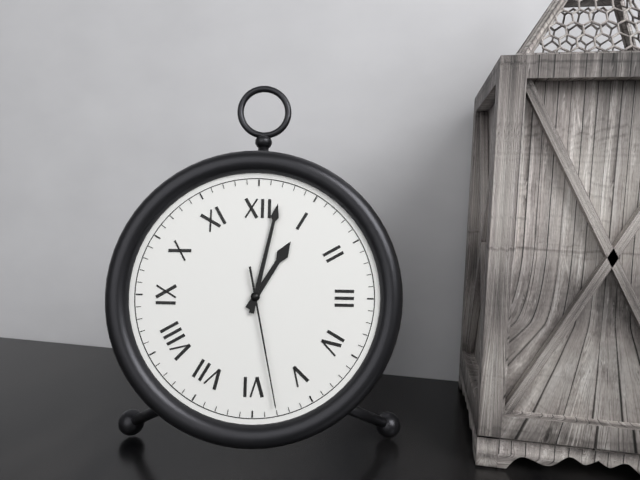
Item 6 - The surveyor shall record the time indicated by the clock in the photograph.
1:02:28
